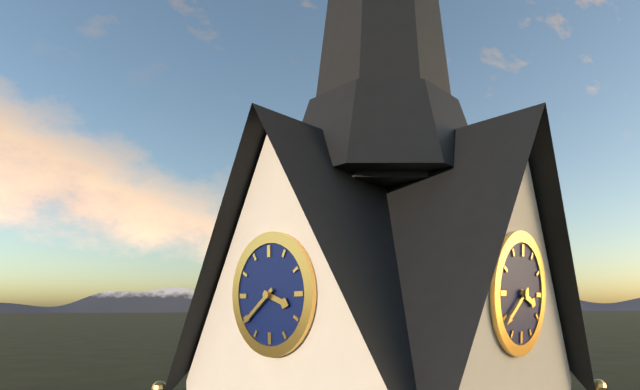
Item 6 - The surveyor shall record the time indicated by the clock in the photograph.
3:39
